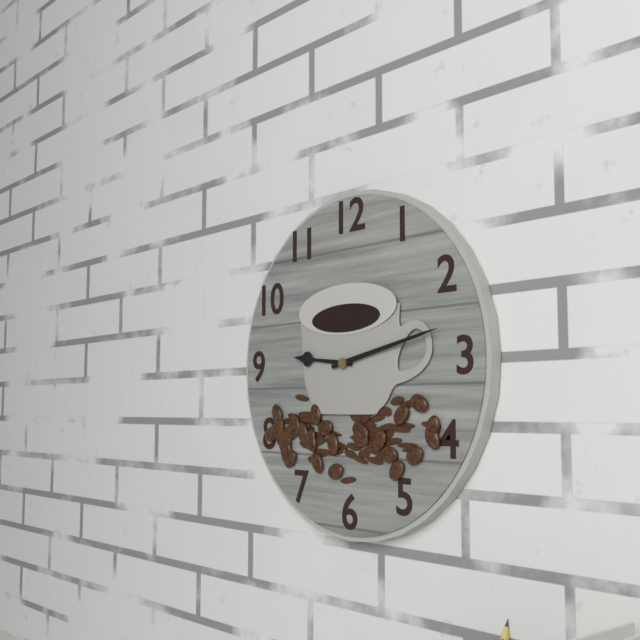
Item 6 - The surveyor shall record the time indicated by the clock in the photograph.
9:13
